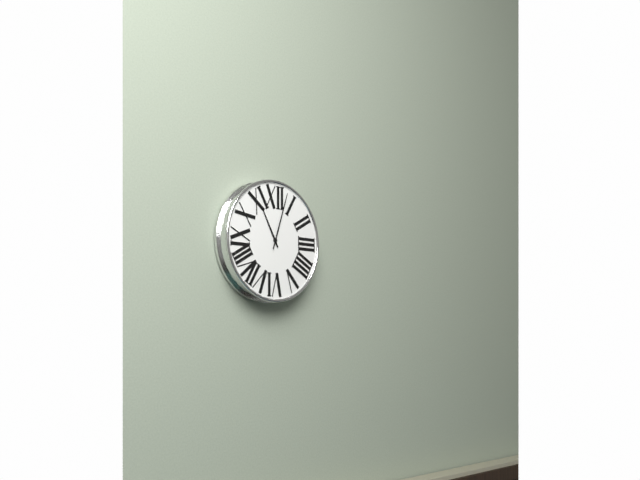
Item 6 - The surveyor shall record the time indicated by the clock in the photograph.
11:03
